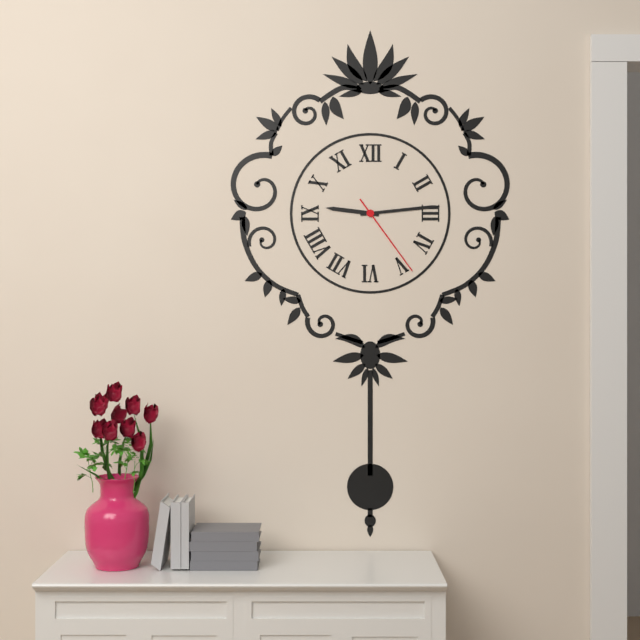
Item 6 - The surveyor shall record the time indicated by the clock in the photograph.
9:14:24
